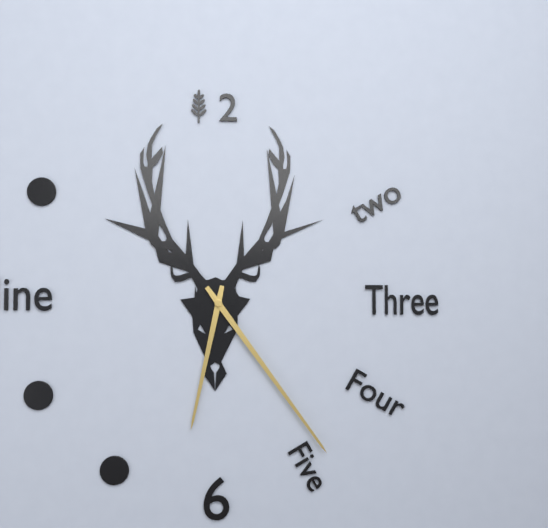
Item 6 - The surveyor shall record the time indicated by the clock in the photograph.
6:24
